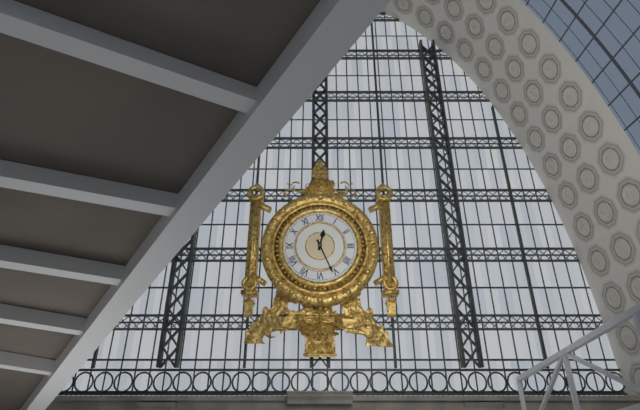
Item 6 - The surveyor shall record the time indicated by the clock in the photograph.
12:26
